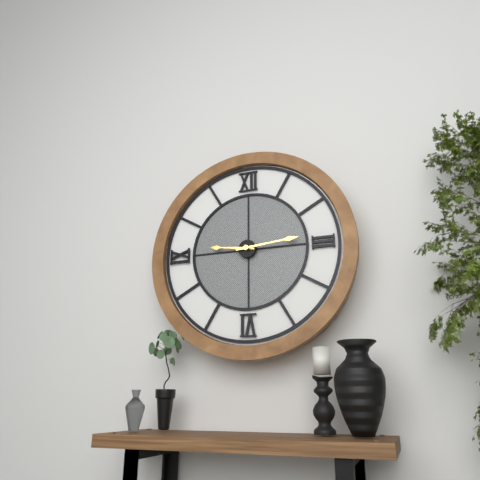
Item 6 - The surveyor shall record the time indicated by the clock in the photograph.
9:14
